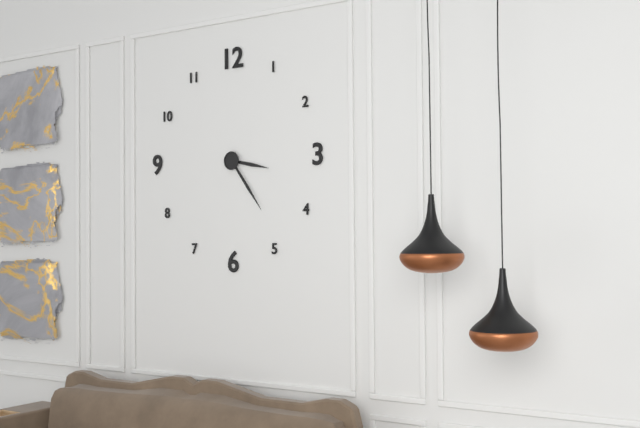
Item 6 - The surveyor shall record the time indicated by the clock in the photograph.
3:24
